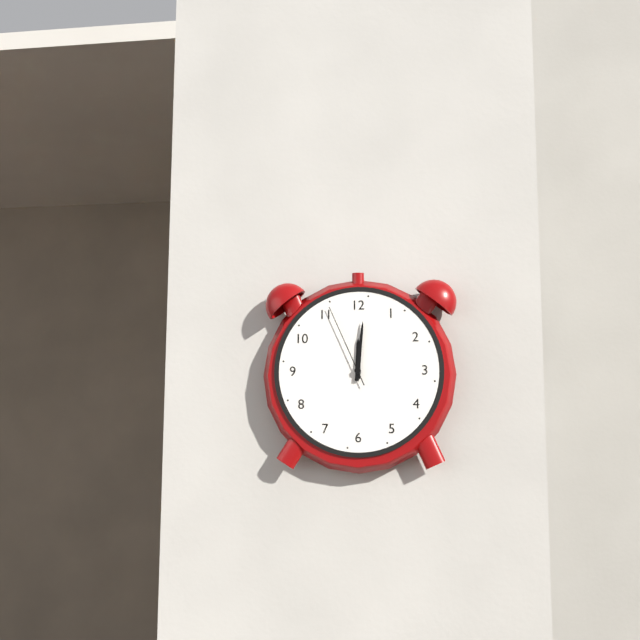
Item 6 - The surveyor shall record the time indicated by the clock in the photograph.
12:01:56
